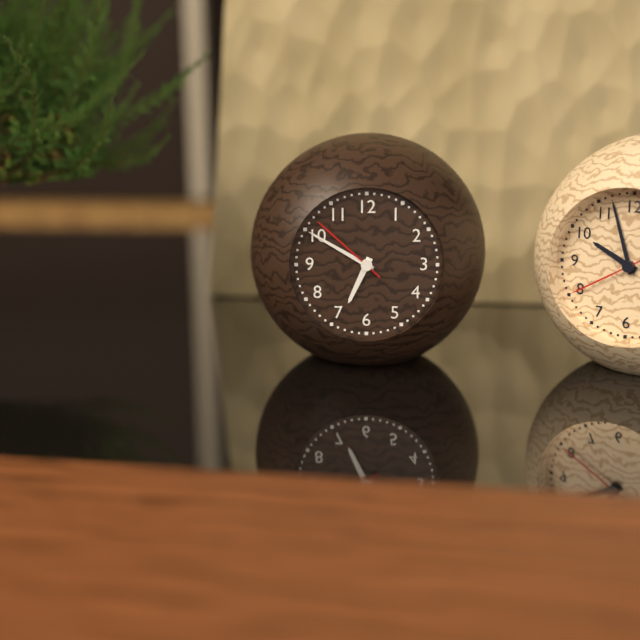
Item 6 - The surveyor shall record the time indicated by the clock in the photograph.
6:50:52
